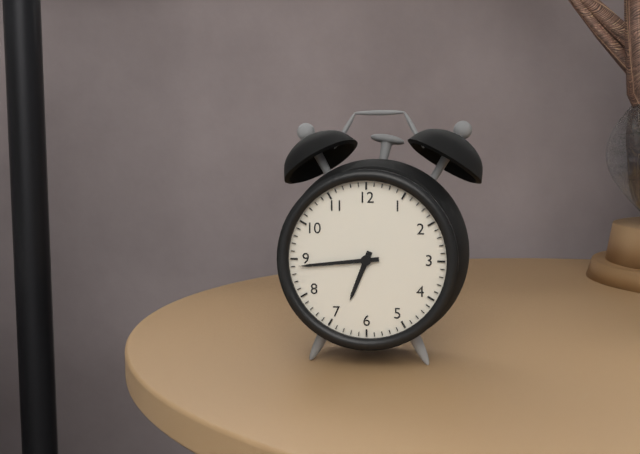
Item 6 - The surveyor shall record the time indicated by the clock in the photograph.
6:44
